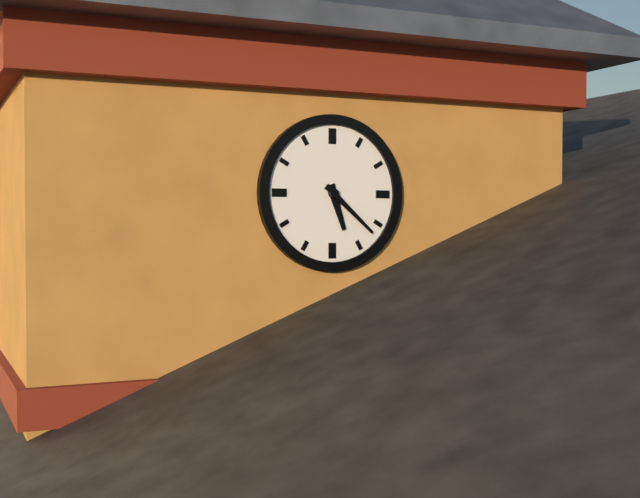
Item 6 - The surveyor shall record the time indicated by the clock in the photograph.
5:22
